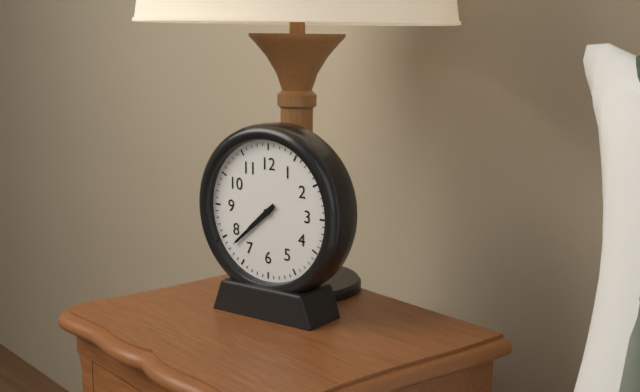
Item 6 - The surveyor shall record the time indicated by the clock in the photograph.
7:38
